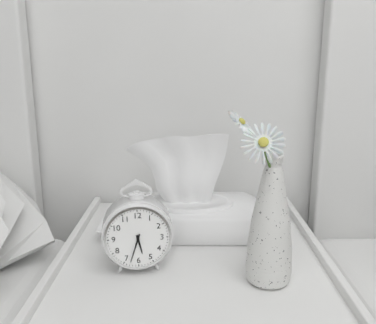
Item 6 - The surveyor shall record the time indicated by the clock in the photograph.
5:33
